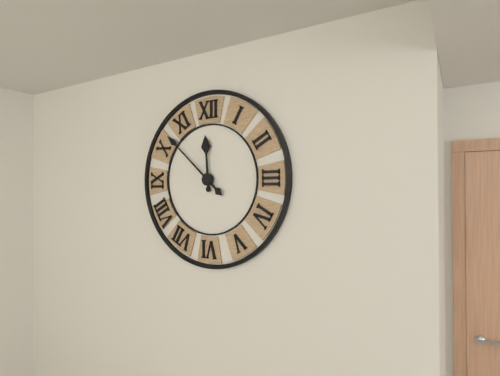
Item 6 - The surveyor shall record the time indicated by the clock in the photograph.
11:52
